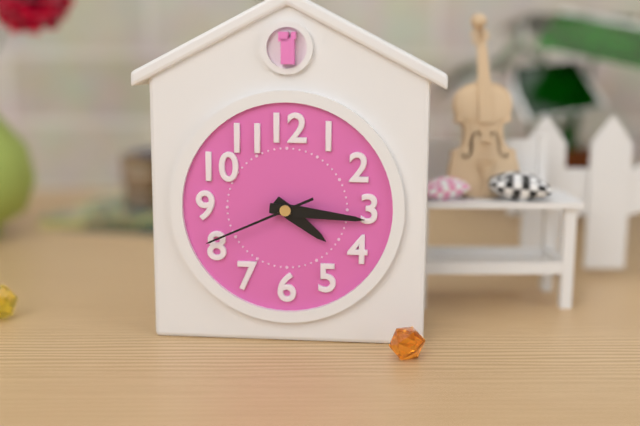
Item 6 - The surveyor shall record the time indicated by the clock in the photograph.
4:16:41
